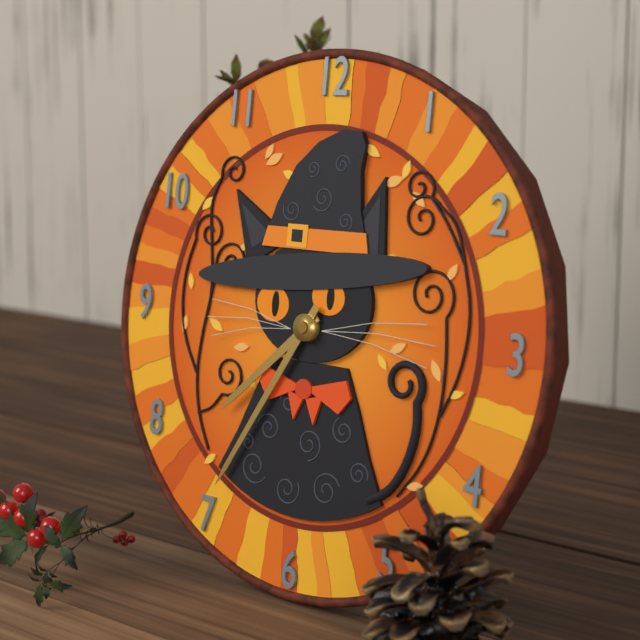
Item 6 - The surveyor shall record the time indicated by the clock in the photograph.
7:35
